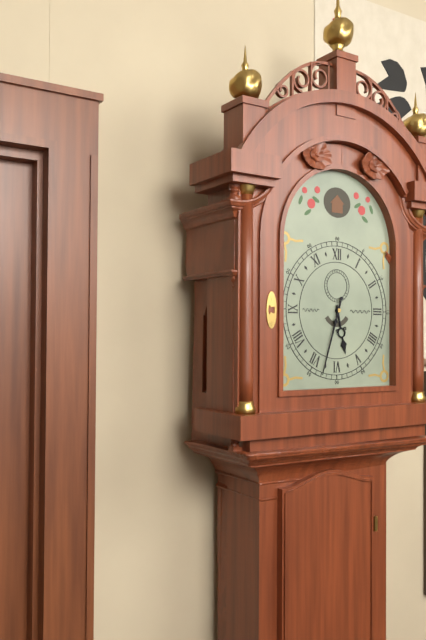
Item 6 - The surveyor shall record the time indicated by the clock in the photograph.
5:33
